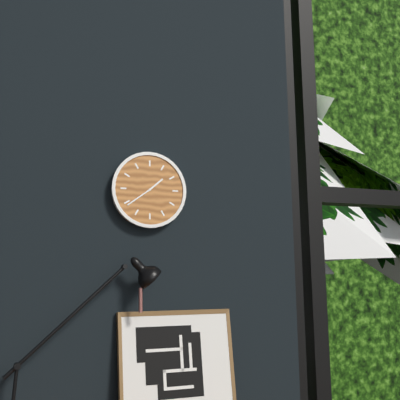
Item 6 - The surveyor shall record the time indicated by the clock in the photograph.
1:39
